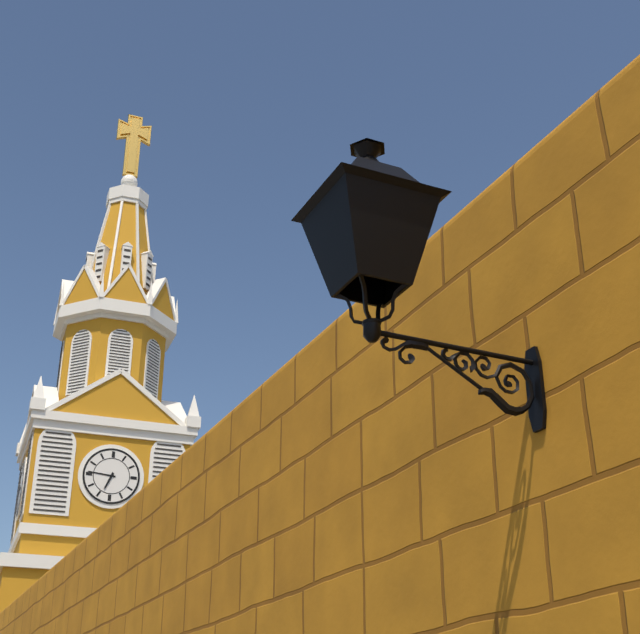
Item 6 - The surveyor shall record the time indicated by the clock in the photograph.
6:46
